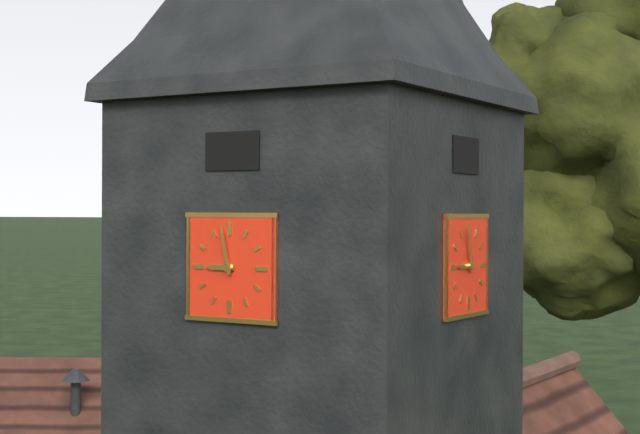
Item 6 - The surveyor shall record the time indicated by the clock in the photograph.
8:58
